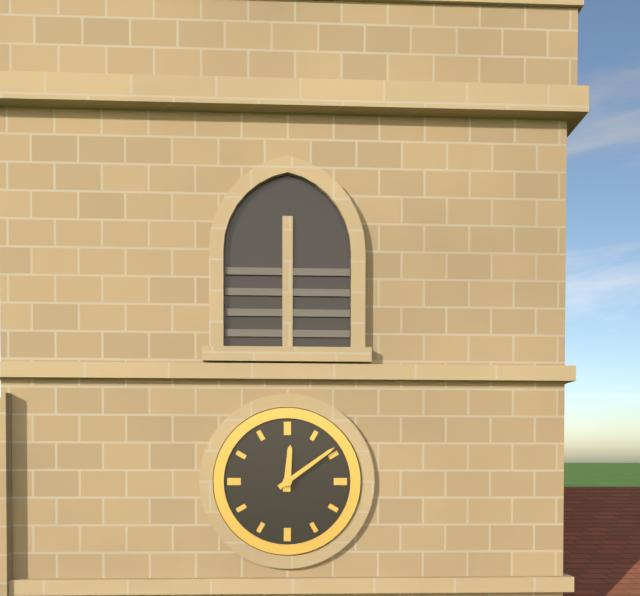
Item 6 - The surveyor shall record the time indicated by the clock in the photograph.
12:09
